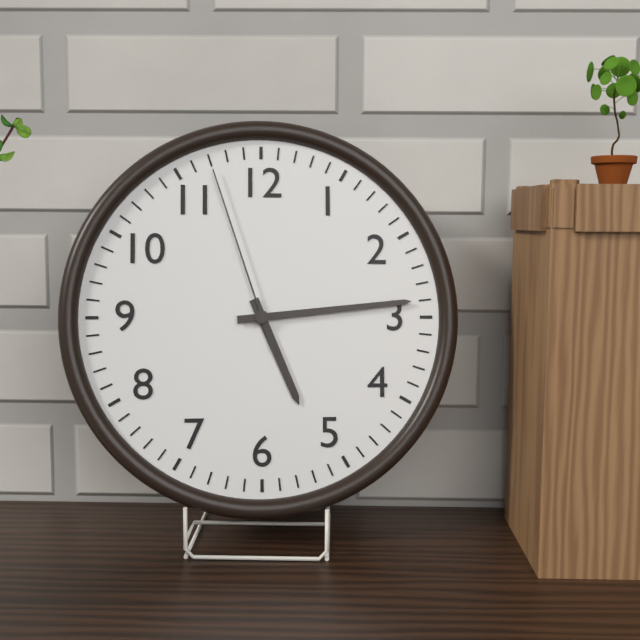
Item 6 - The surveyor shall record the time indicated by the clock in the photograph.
5:14:57
